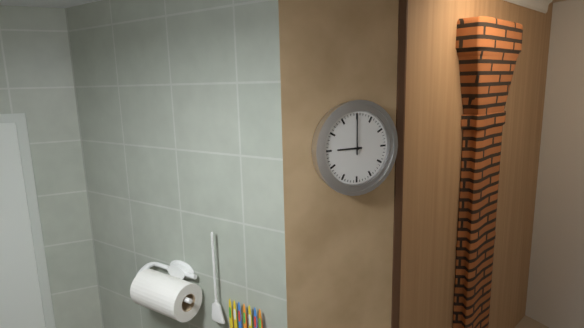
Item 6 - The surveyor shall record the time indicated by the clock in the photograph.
9:00
